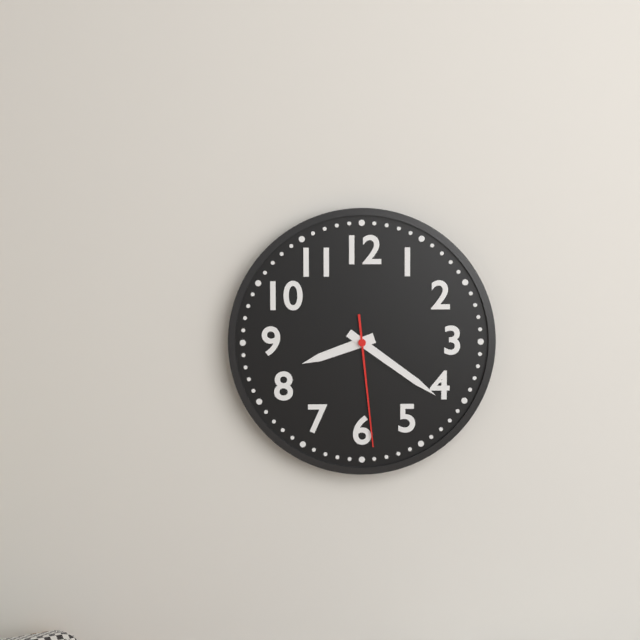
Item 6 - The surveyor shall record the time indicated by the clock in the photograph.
8:21:29
